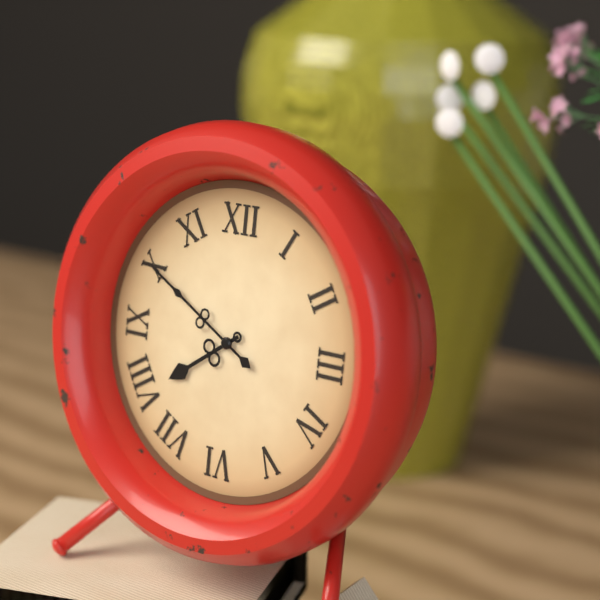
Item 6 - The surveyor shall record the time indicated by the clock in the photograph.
7:50
